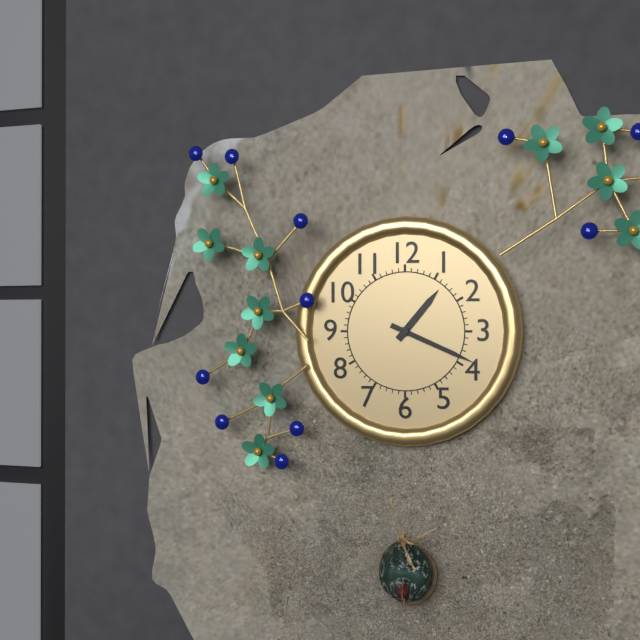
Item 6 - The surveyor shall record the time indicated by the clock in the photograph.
1:19
